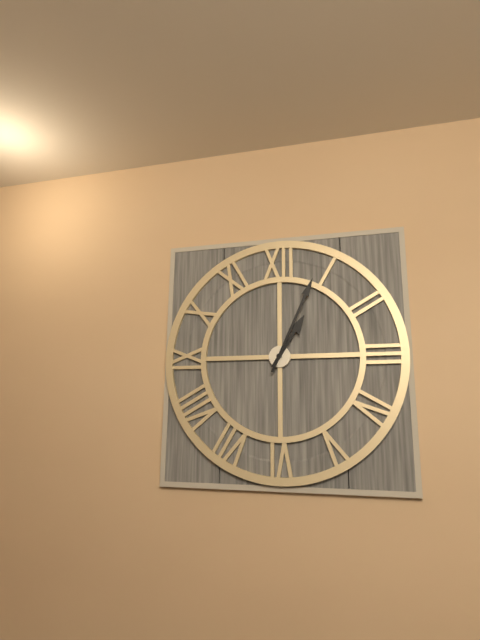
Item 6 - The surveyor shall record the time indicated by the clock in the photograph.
1:04
